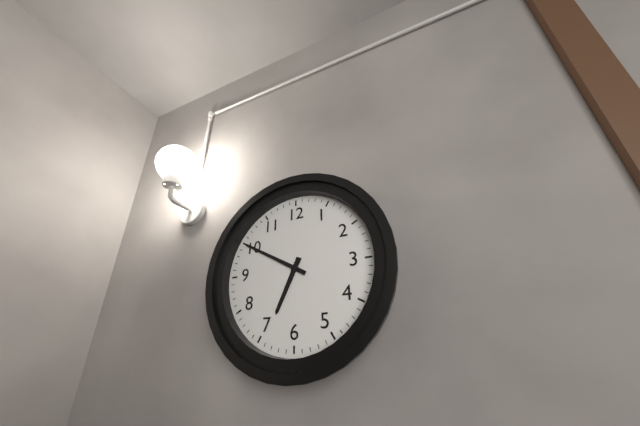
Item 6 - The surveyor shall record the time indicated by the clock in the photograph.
6:50
